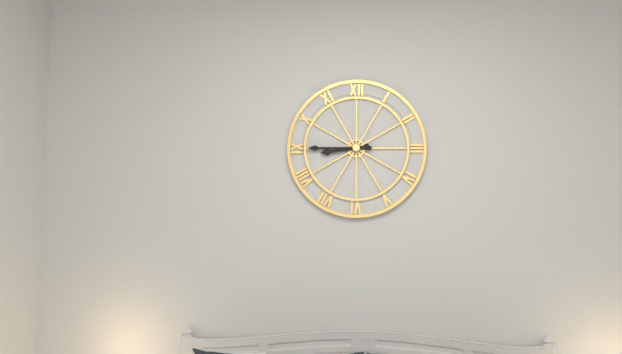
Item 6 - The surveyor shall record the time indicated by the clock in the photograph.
8:45
